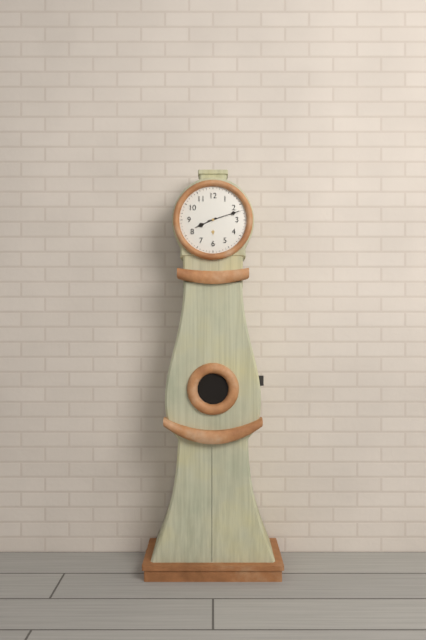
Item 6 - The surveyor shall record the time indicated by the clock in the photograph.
8:12
